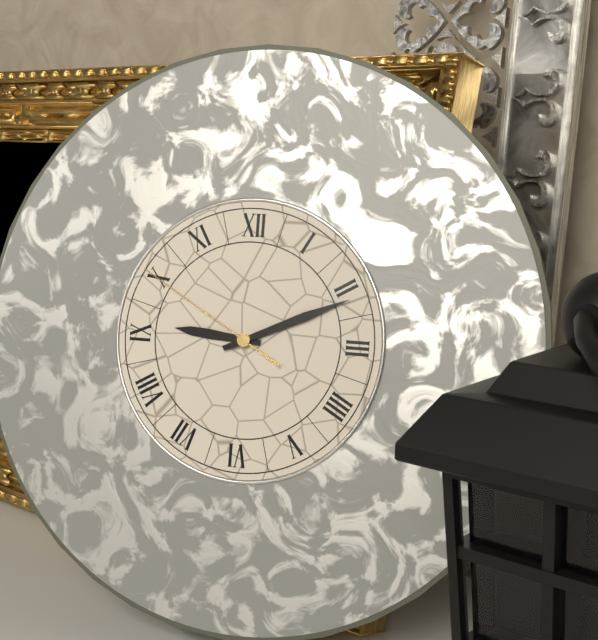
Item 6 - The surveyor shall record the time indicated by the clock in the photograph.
9:11:50
